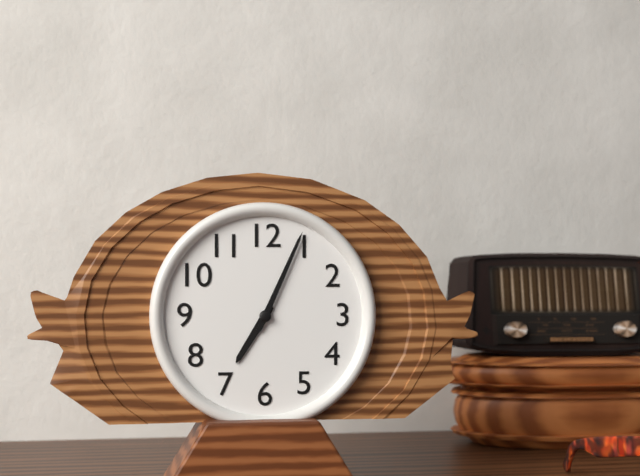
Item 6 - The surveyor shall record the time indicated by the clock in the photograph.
7:04
